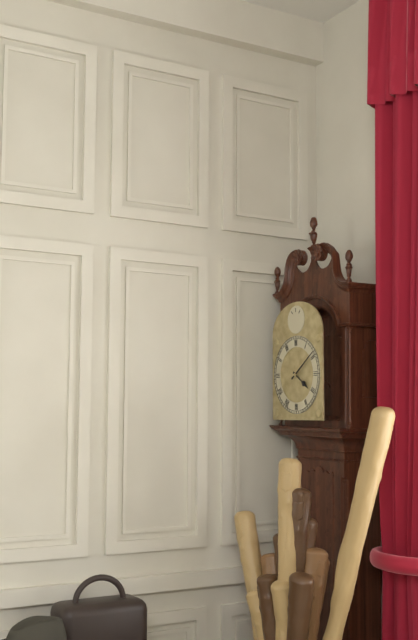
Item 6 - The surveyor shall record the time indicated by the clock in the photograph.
4:09
